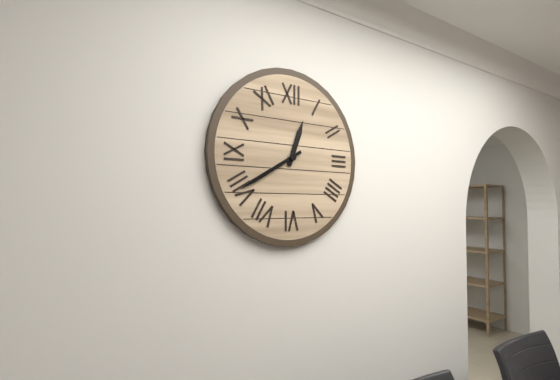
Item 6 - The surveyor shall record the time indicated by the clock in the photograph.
12:40
